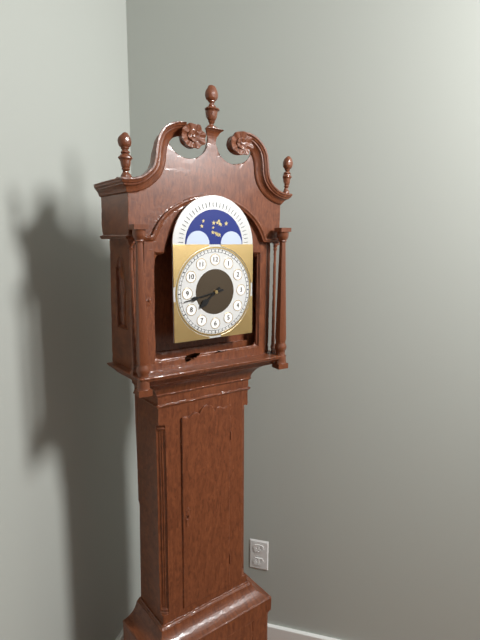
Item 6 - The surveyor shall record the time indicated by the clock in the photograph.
7:43
